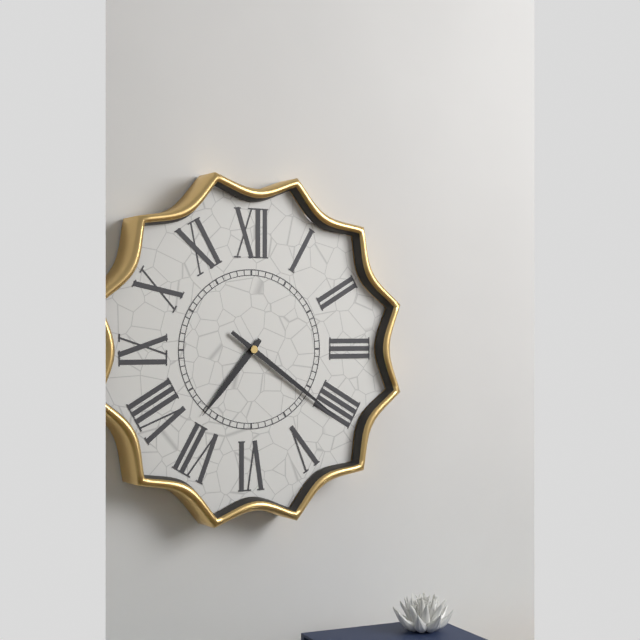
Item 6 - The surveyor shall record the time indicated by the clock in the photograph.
7:21
